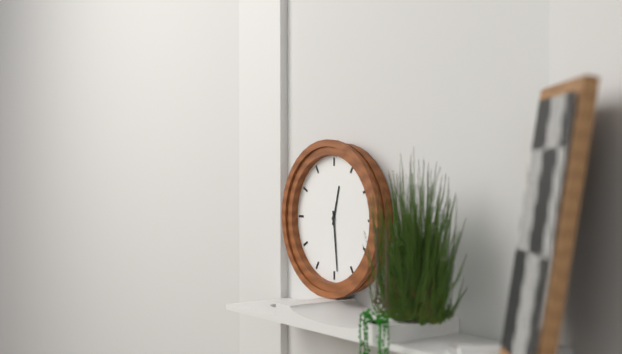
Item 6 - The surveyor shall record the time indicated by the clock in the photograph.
12:29
